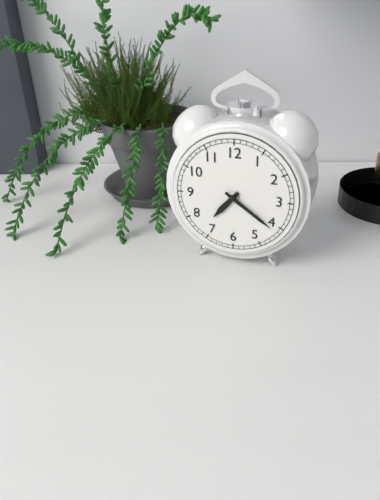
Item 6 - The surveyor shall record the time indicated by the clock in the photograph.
7:21
